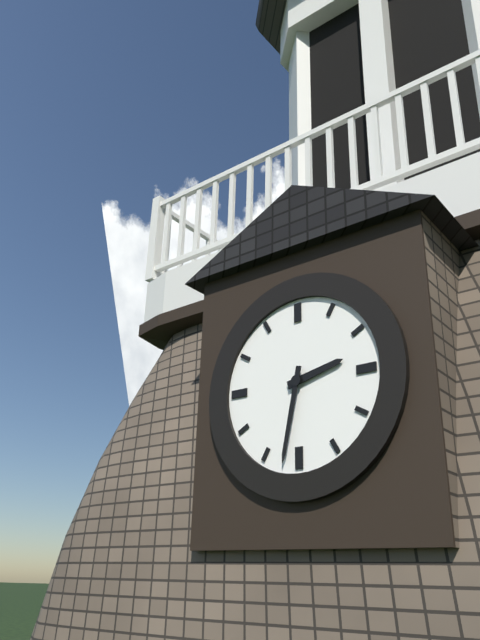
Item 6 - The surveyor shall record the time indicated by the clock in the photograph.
2:32
